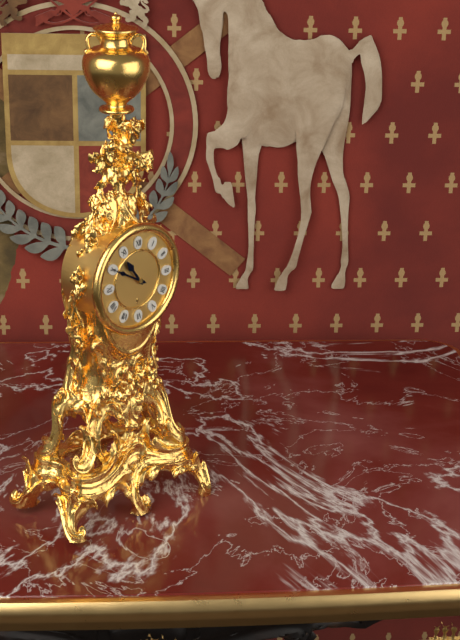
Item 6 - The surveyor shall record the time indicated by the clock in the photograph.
10:50
